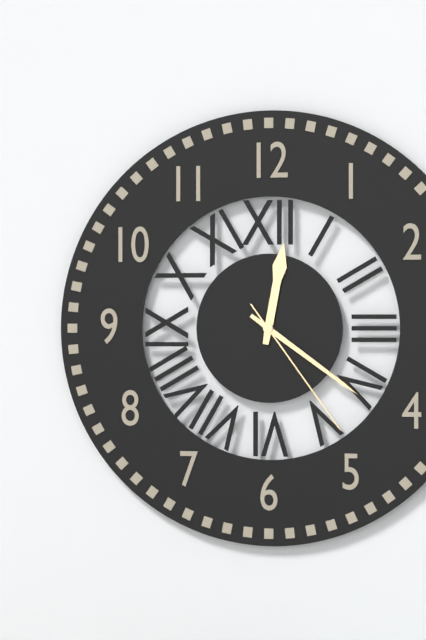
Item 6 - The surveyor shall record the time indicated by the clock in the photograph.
12:21:24
